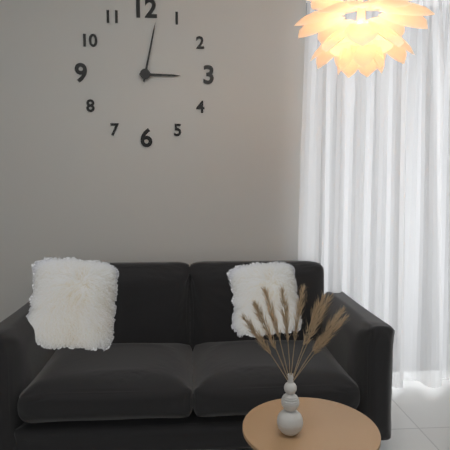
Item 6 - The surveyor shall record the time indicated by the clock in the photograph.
3:02
